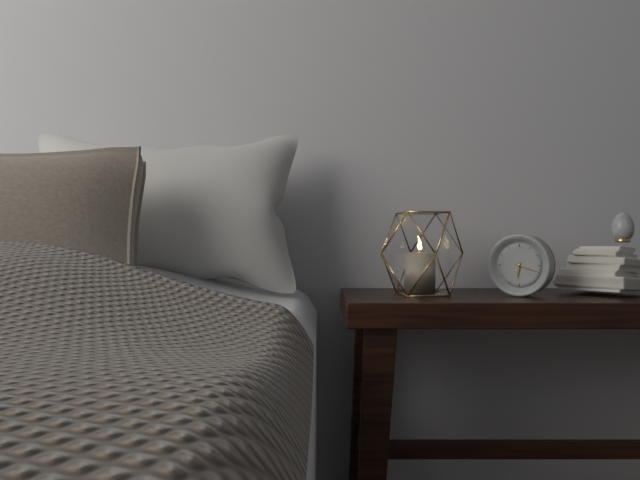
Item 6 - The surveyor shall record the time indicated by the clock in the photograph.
6:18
